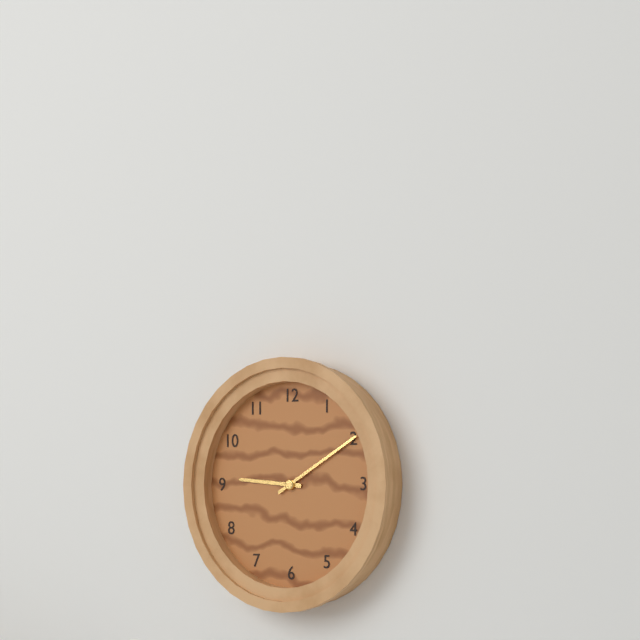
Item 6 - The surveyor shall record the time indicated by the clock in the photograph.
9:10
